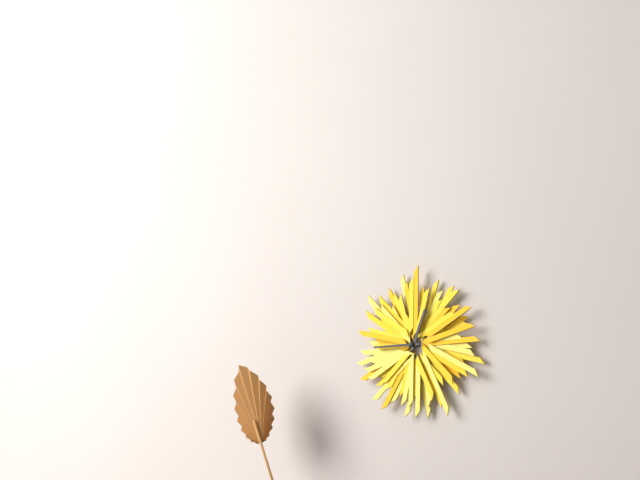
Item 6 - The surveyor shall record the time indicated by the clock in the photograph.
12:45
